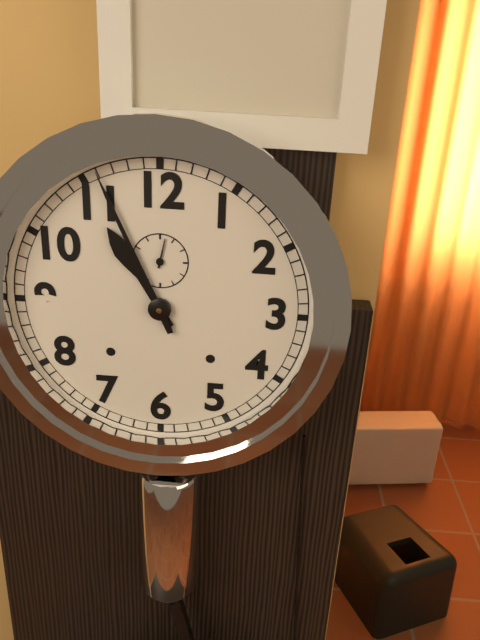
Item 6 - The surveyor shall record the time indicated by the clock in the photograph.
10:56
